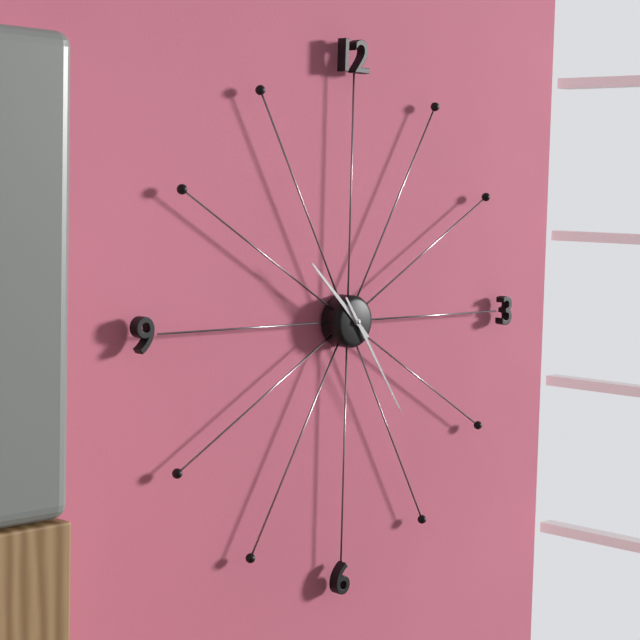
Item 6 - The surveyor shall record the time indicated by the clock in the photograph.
10:24
